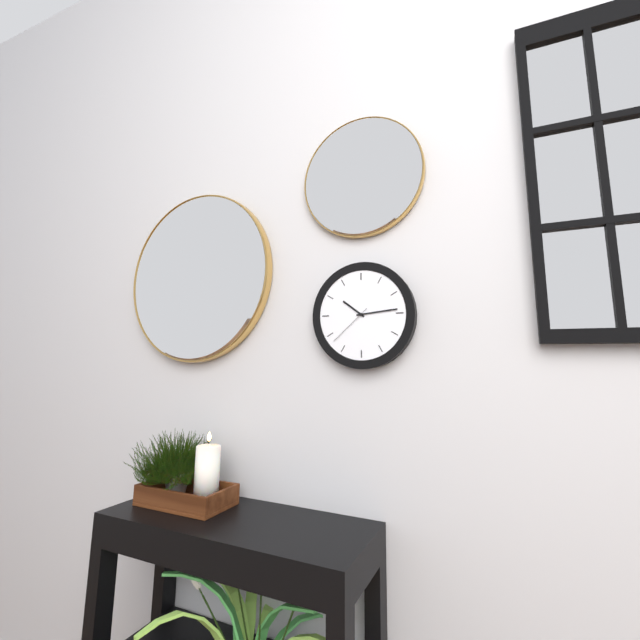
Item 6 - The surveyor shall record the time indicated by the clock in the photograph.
10:14
